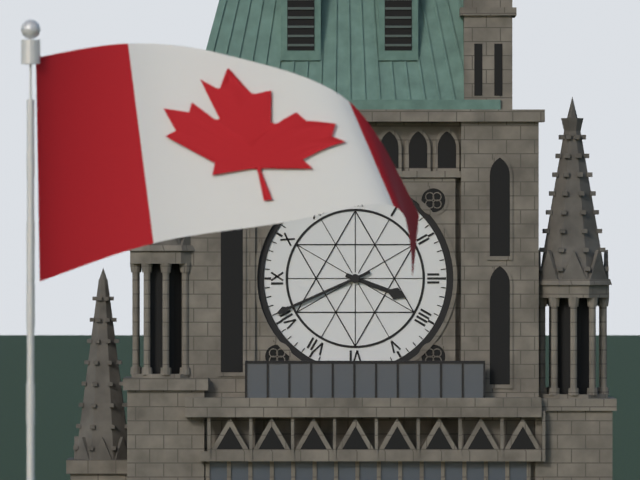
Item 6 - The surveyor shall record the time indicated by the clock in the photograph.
3:41
